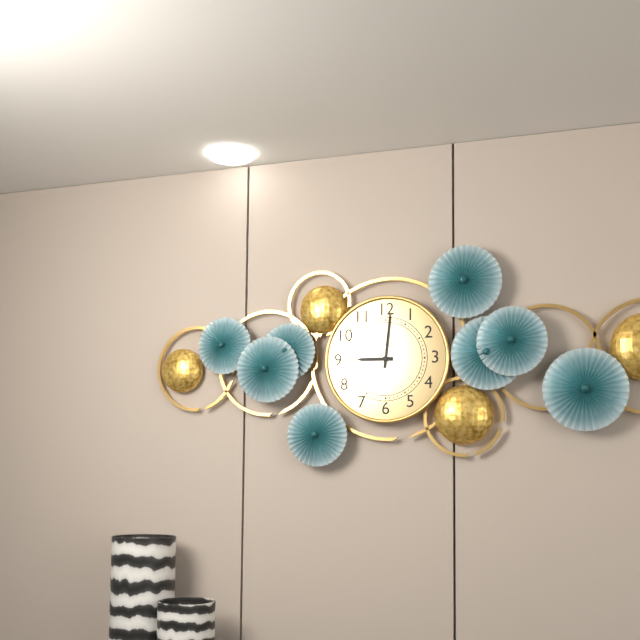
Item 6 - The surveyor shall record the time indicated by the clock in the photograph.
9:01
